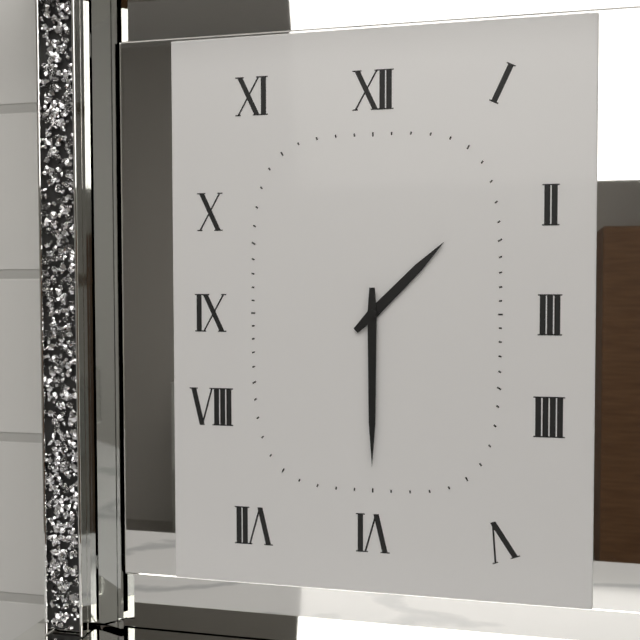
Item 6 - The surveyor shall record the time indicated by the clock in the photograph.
1:30
